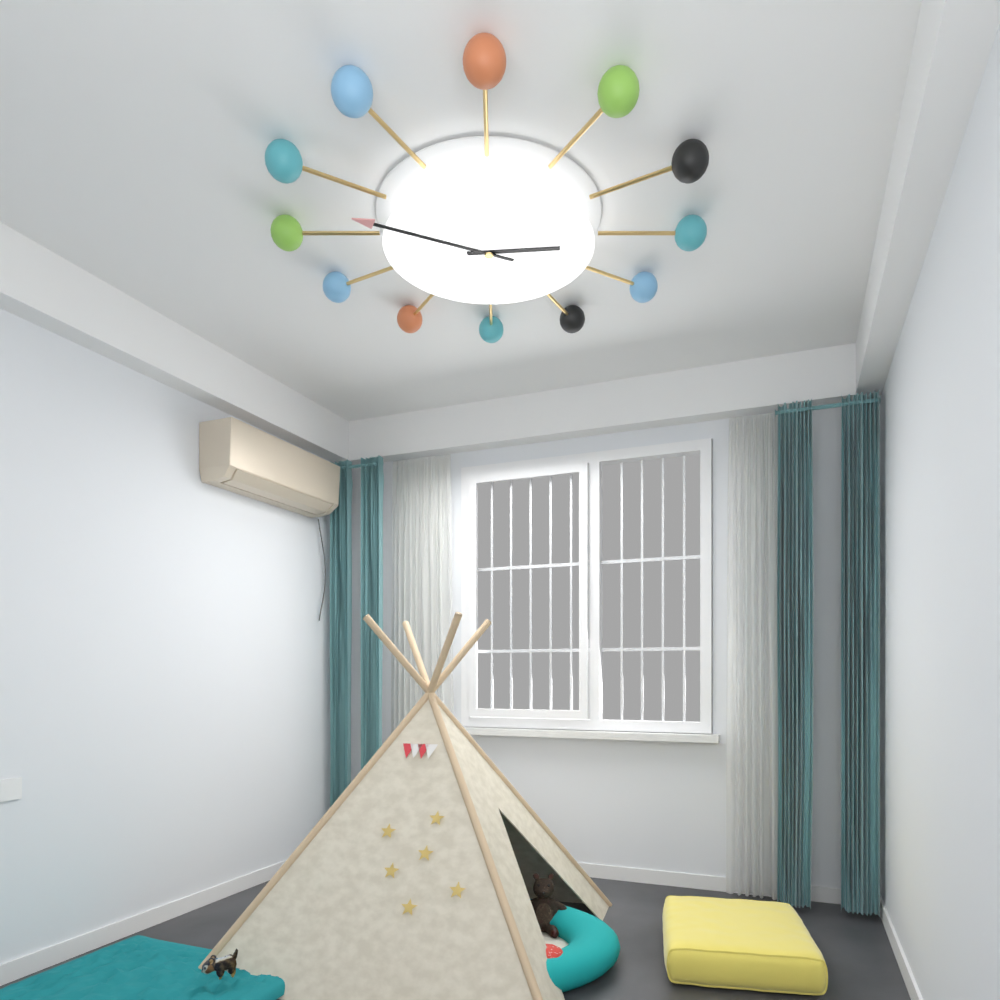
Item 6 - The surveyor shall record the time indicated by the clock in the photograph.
2:49
